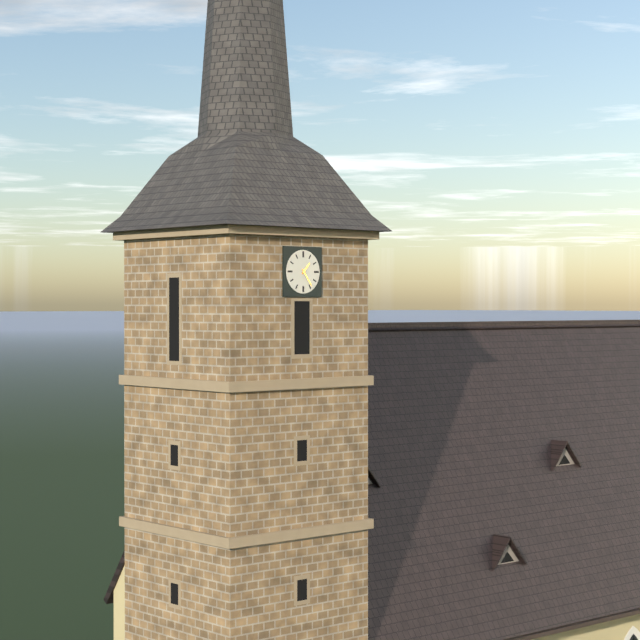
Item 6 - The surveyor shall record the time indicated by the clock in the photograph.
1:24
